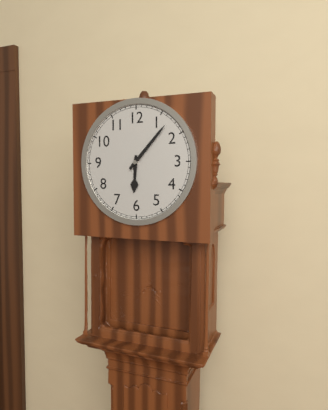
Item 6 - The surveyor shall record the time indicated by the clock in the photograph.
6:07
